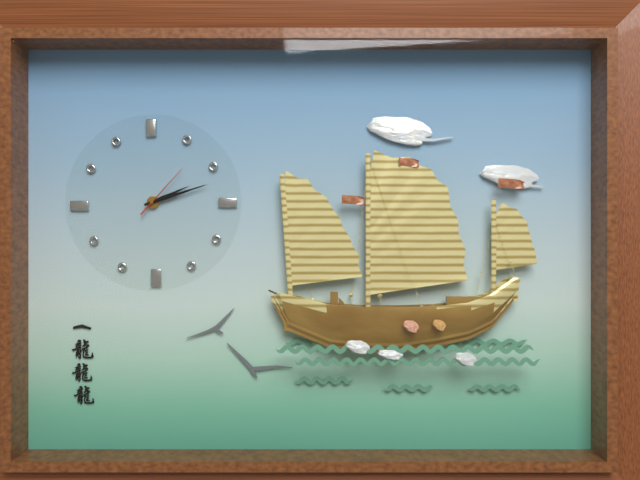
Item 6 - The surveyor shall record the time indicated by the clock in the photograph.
2:12:07
